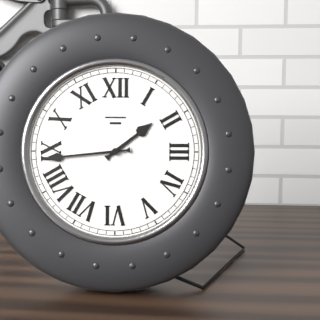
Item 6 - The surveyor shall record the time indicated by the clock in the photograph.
1:44
